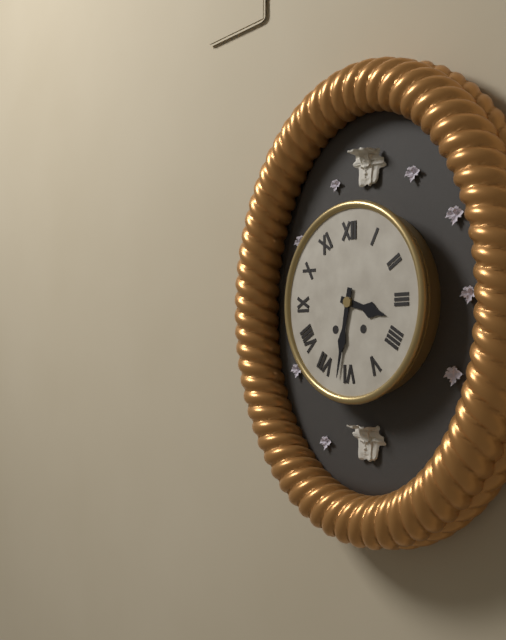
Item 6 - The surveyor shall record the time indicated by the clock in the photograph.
3:32
